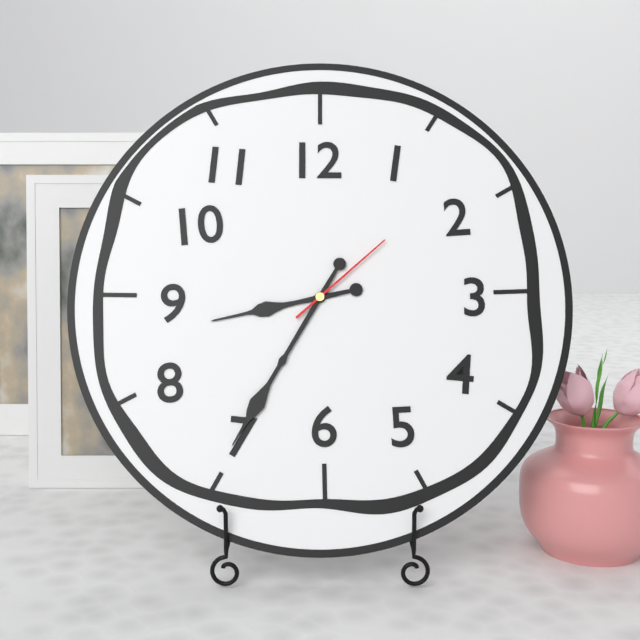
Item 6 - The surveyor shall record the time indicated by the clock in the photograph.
8:35:08
